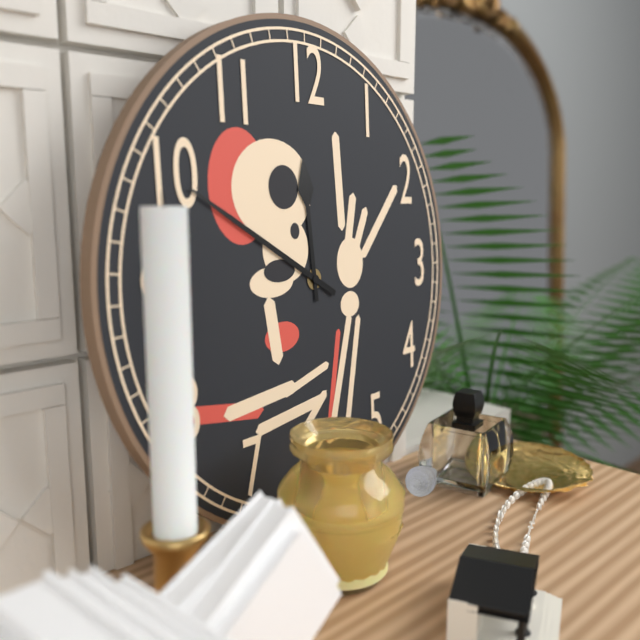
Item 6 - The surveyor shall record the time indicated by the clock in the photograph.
11:50
